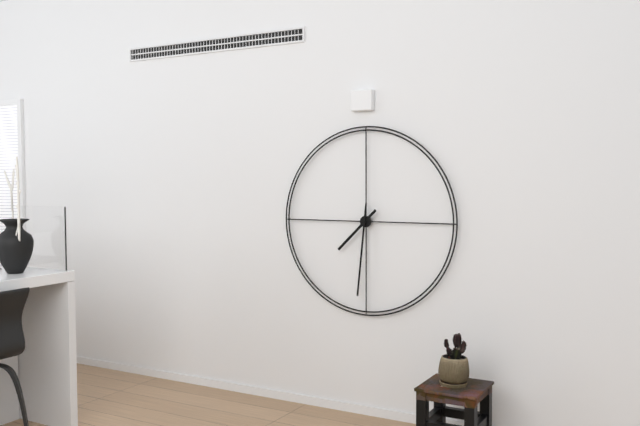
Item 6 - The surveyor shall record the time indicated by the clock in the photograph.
7:31
